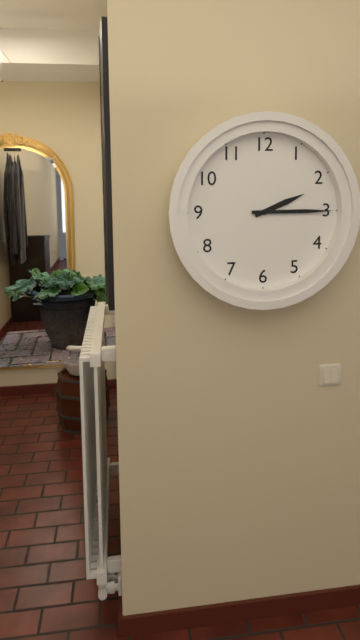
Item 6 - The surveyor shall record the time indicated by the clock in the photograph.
2:15
